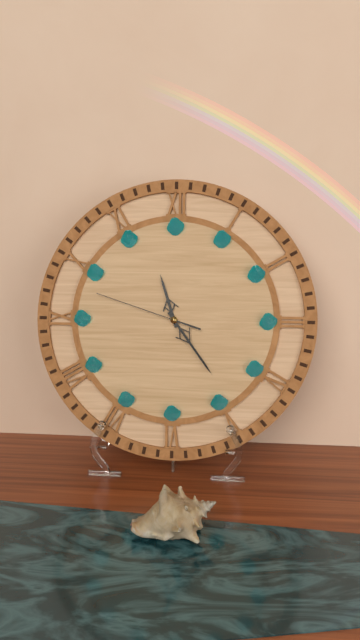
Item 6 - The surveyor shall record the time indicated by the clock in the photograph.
11:24:48
